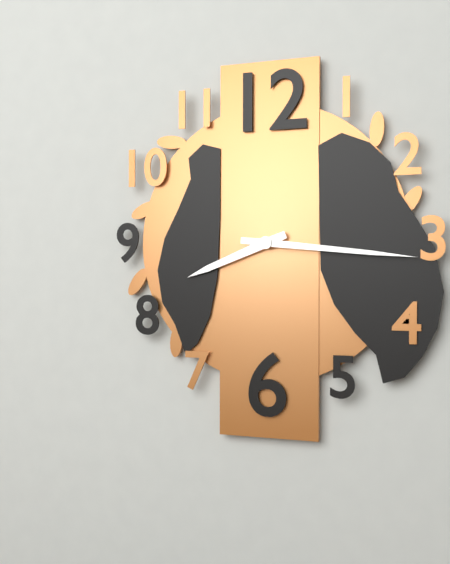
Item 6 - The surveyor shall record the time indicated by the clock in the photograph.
8:16
